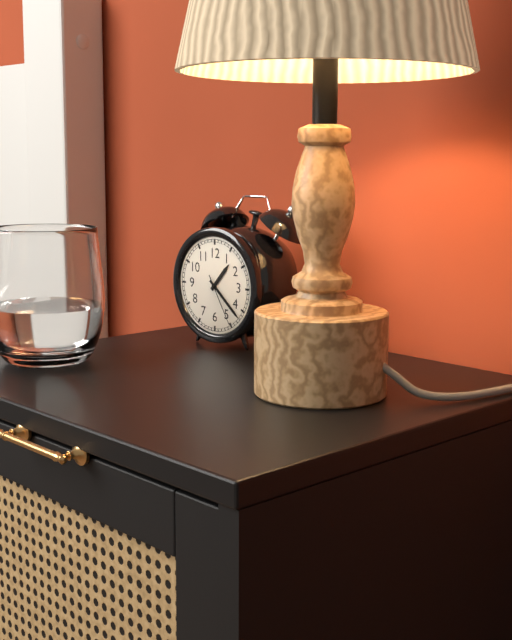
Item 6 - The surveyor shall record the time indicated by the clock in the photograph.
1:22:25
